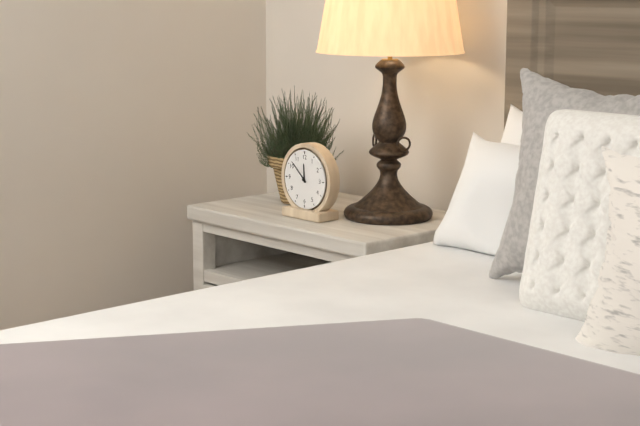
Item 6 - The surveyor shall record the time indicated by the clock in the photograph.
11:52
